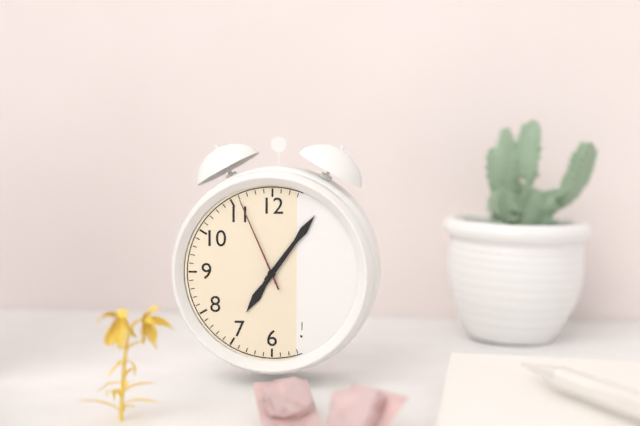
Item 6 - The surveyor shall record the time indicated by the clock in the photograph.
7:06:56
